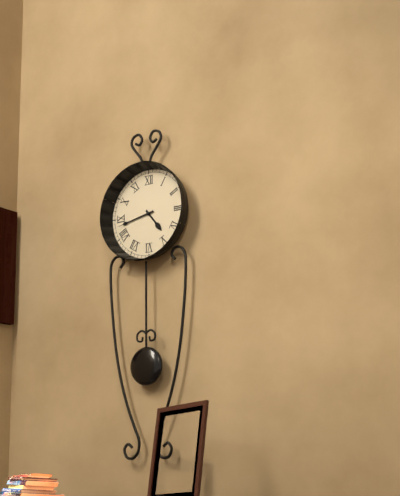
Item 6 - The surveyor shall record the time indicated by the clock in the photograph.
4:43
